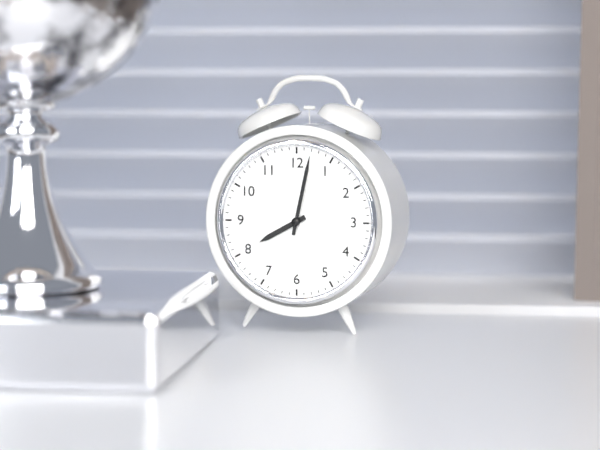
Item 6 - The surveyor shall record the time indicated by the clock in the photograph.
8:02
